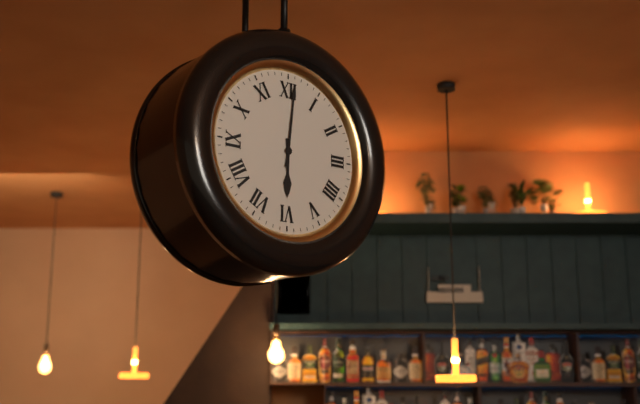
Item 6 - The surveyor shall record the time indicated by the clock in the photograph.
6:01
